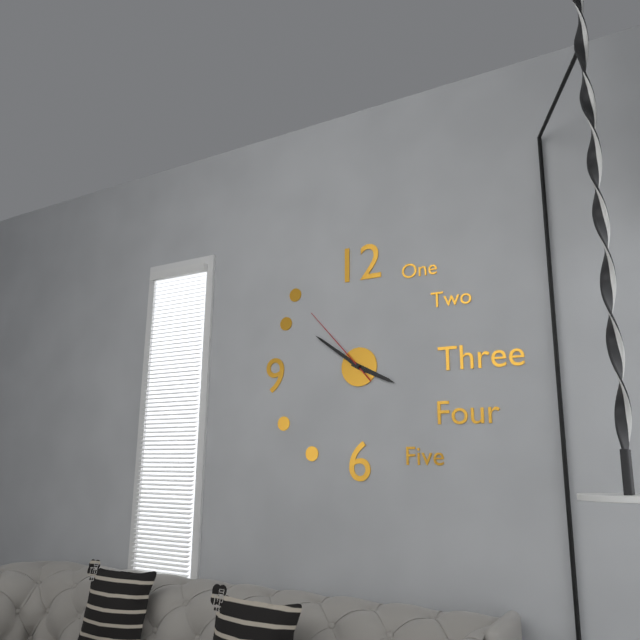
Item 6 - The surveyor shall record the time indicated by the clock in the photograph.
3:51:53
